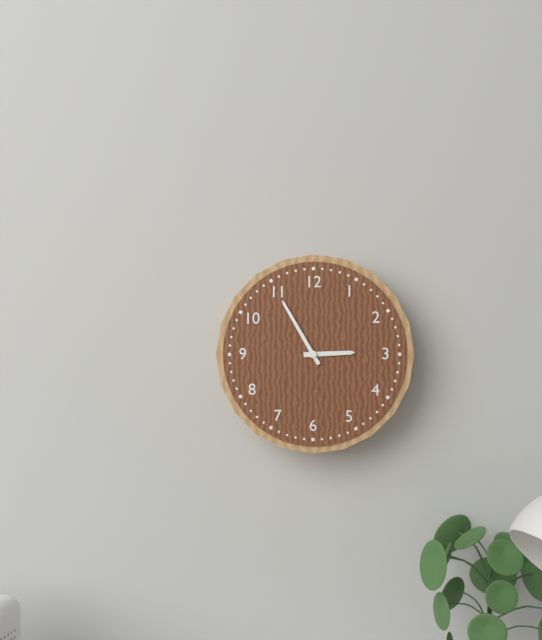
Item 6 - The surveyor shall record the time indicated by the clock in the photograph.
2:55
